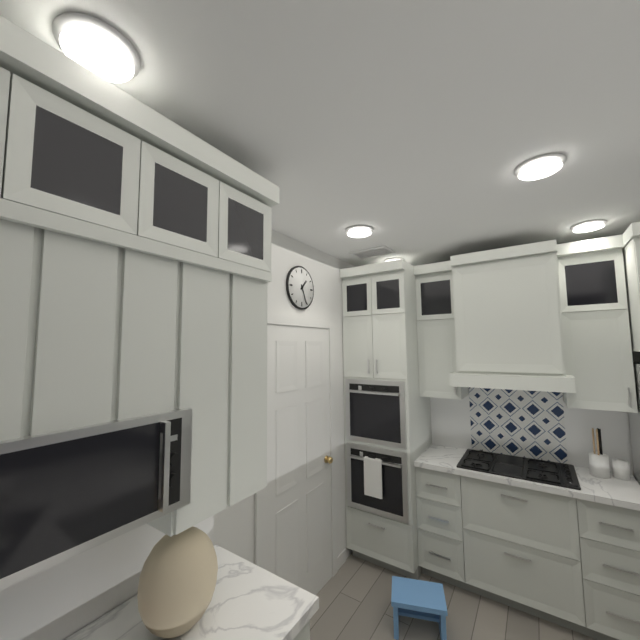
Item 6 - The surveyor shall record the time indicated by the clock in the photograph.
1:26
